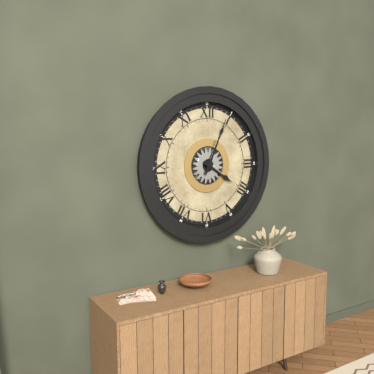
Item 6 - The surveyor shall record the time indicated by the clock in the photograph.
4:04
